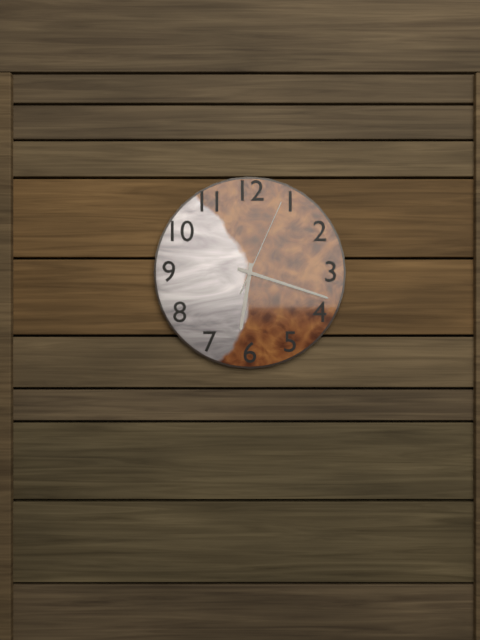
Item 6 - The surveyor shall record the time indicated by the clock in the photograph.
6:18:04
